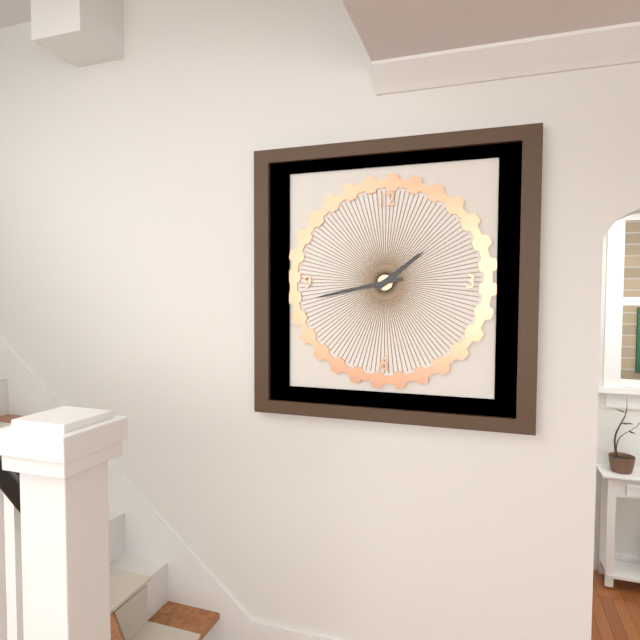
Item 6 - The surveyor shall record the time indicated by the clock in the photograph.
1:43
